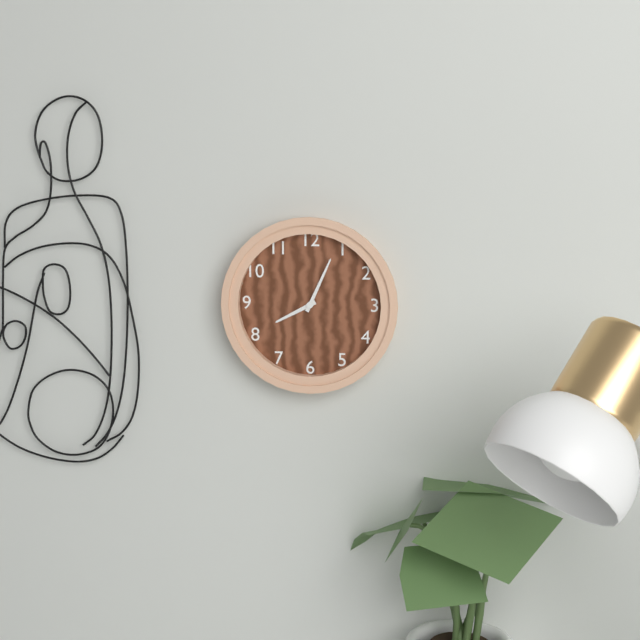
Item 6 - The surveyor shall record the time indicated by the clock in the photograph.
8:04
